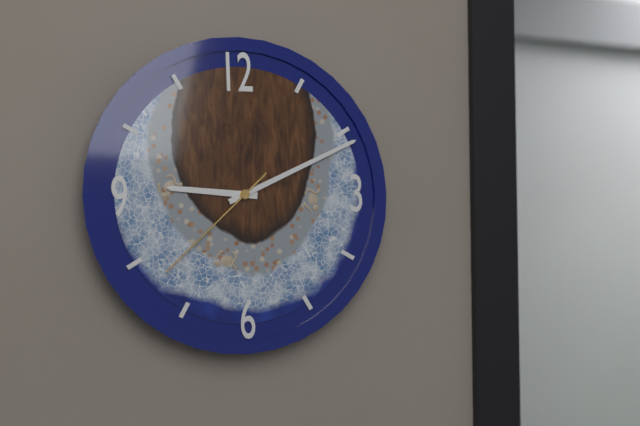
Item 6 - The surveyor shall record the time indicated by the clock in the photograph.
9:11:38
